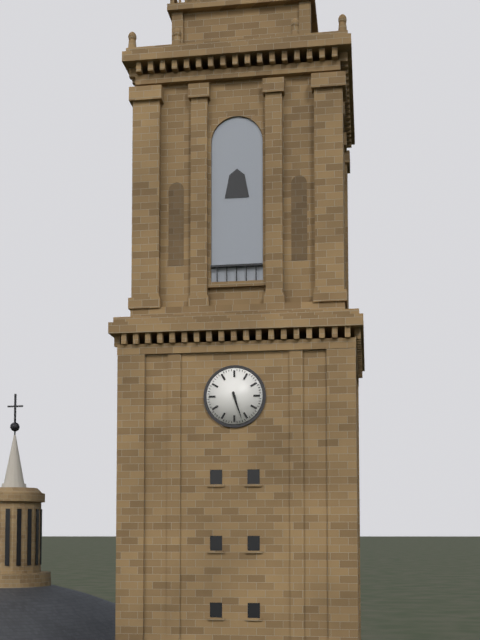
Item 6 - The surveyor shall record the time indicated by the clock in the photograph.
5:27
